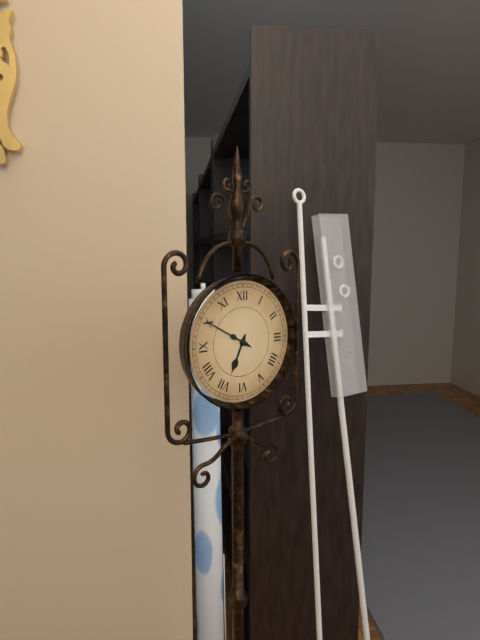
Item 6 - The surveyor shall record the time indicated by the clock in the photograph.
6:50
